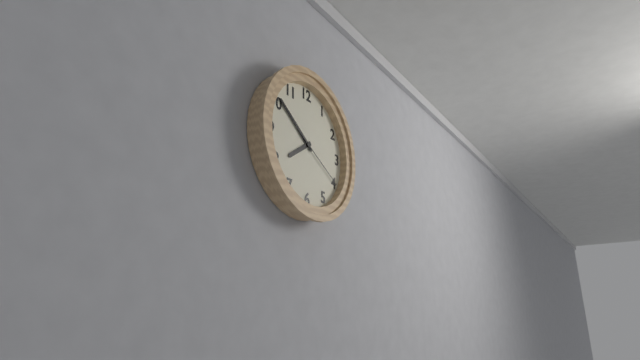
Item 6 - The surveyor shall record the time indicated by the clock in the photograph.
7:51:20
